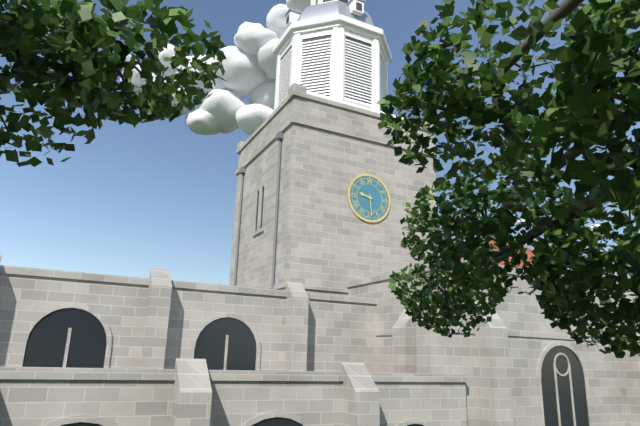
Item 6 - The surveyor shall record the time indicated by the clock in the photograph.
9:29
